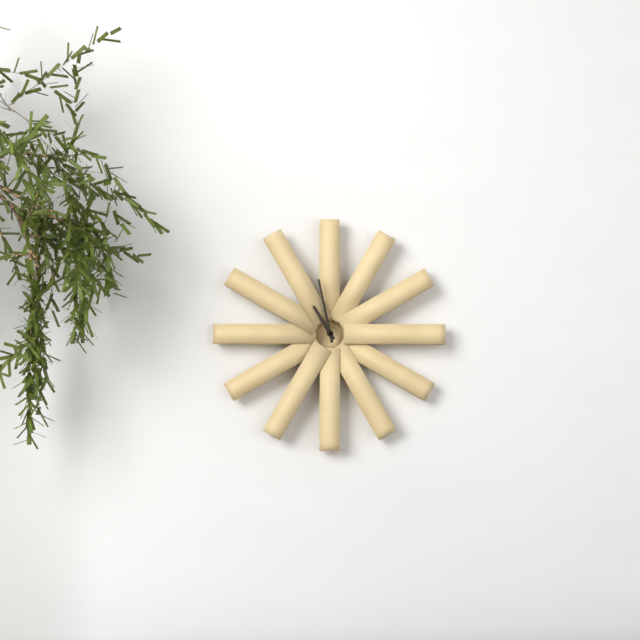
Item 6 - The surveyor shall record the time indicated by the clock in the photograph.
10:58
